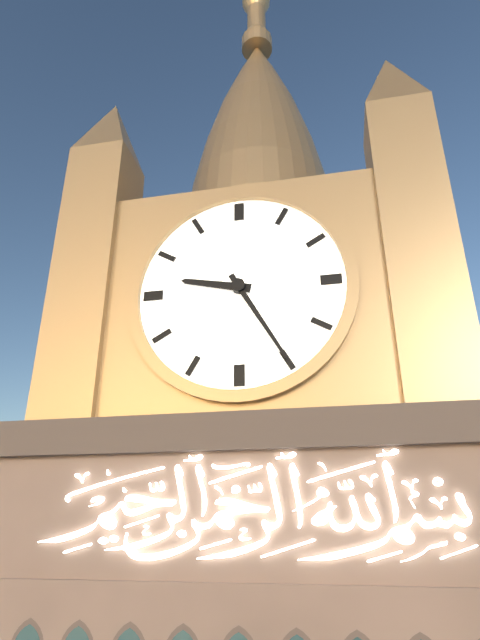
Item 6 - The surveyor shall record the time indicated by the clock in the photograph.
9:25
